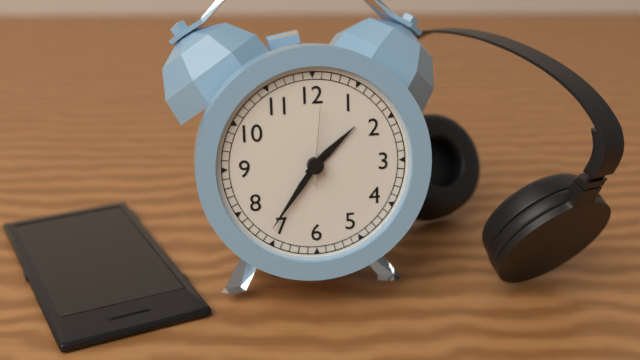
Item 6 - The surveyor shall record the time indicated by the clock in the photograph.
1:36:01
